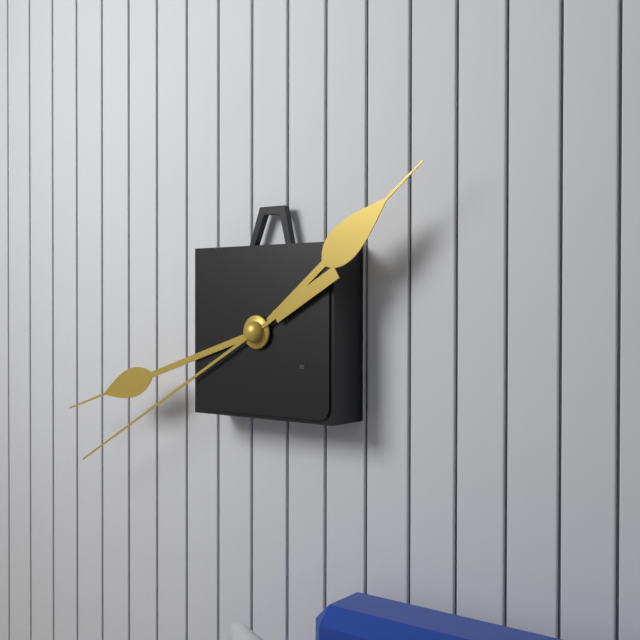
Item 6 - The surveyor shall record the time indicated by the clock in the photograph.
1:42:40
